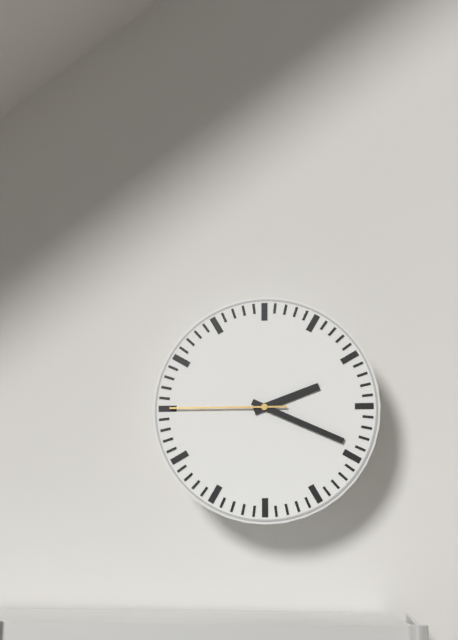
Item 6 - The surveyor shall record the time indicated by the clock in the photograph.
2:19:45
